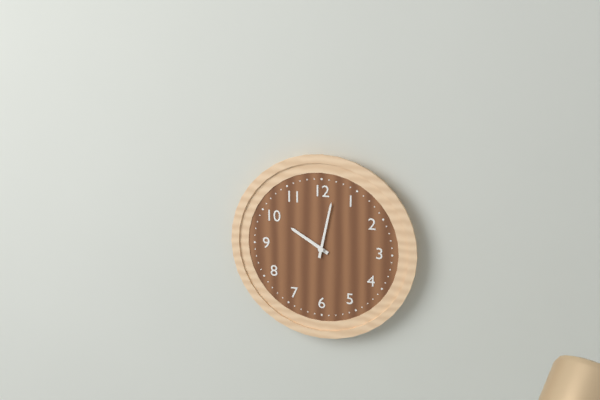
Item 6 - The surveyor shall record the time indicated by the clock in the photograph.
10:02
